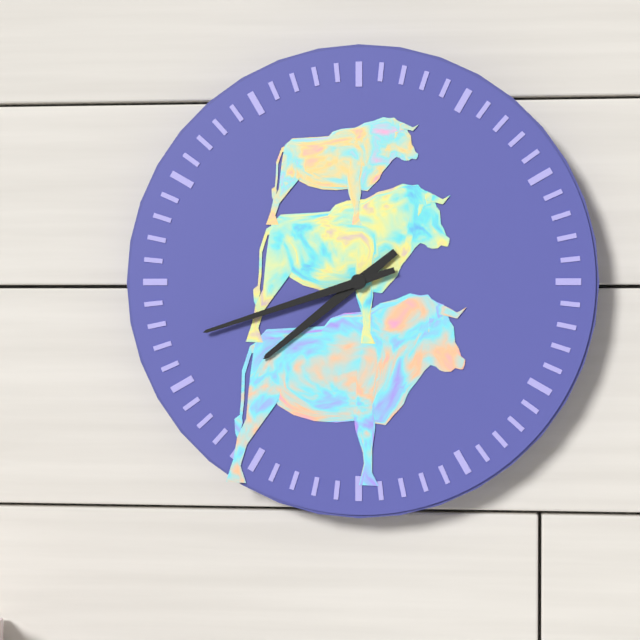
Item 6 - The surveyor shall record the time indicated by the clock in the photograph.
7:42
